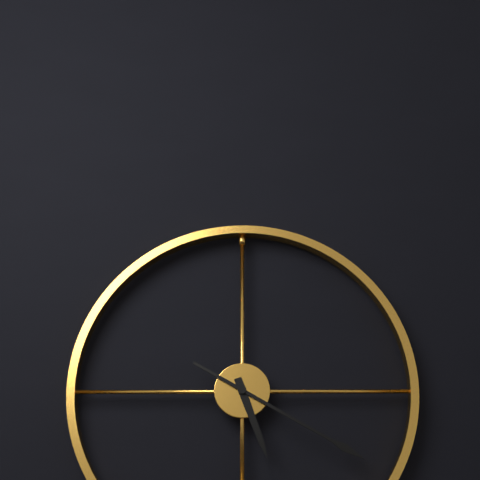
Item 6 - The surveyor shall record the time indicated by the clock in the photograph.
5:20
